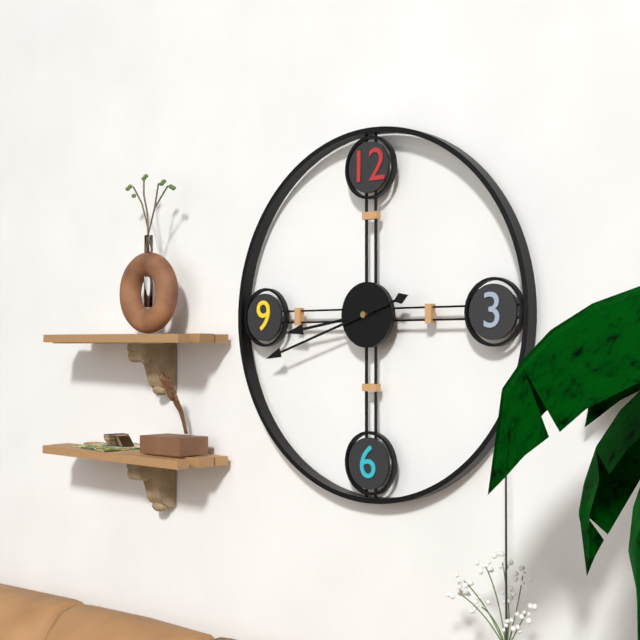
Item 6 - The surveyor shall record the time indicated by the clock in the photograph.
8:42
